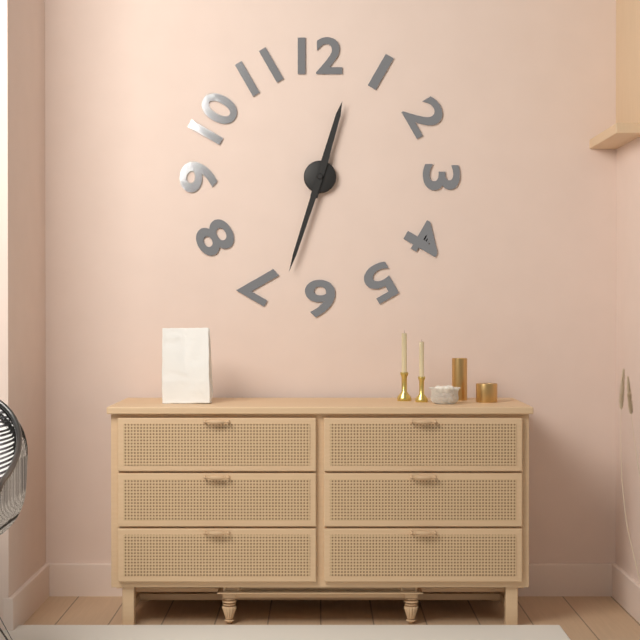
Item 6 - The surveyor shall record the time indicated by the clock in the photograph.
12:33
